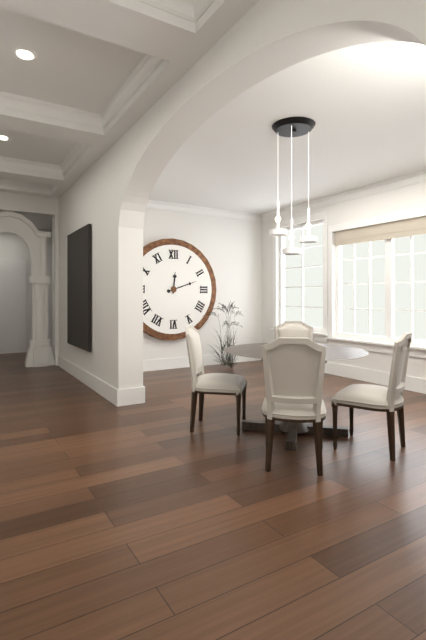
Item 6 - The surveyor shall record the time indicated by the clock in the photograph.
12:12
